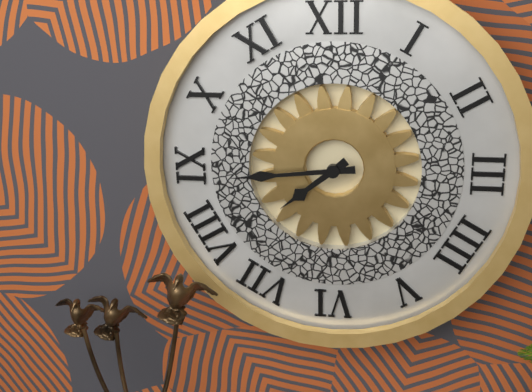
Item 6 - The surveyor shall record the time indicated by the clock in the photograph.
7:44
